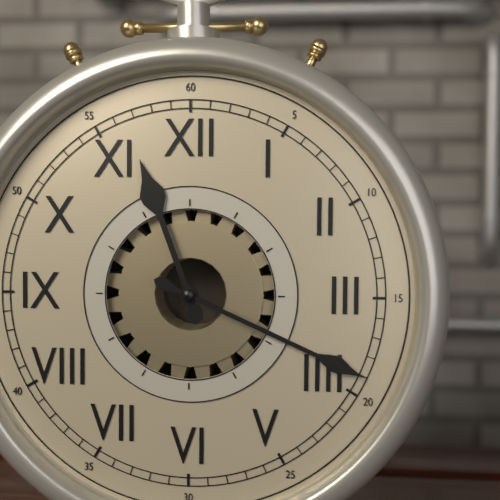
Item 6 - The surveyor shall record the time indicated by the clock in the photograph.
11:19
